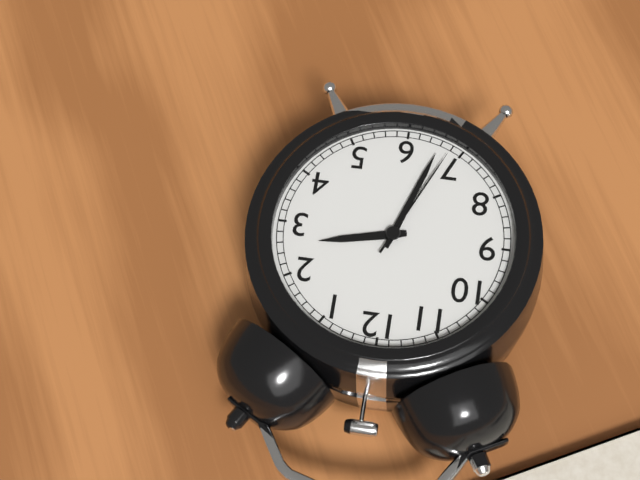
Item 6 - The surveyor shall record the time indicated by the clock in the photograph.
2:33:34
